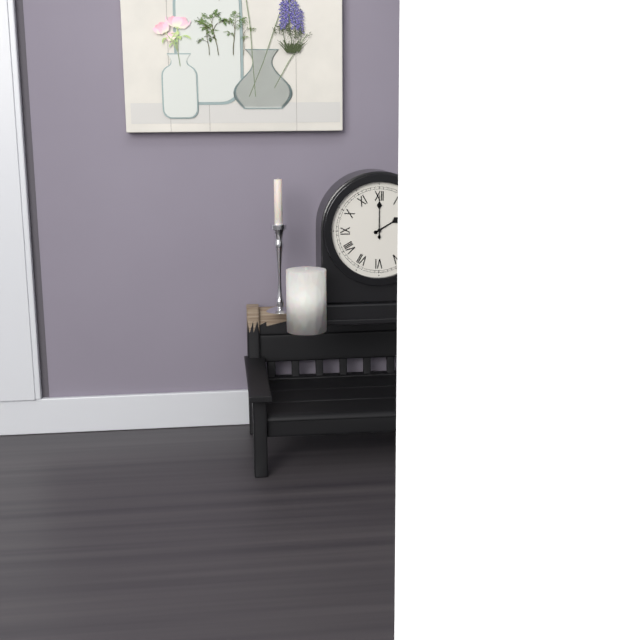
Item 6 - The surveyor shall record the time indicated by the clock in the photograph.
2:00
